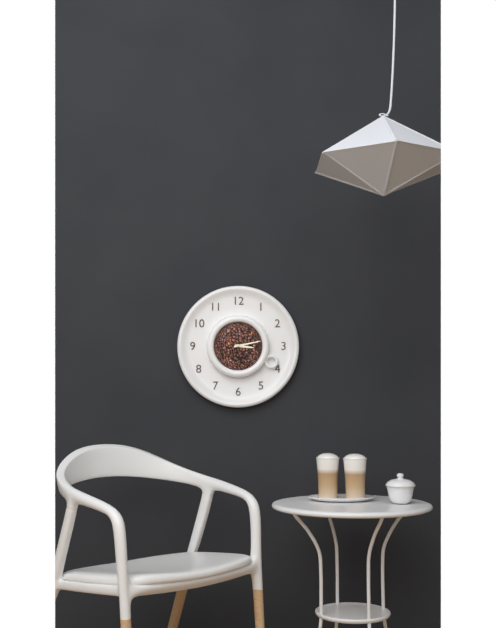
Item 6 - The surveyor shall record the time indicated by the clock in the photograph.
3:13
